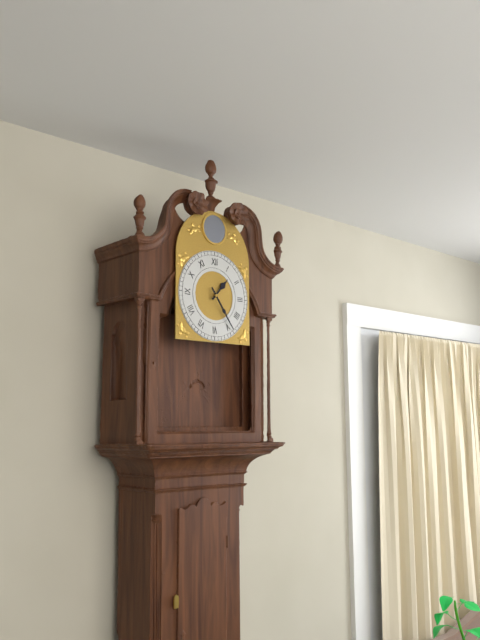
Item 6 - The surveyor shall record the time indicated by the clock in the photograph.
1:24
